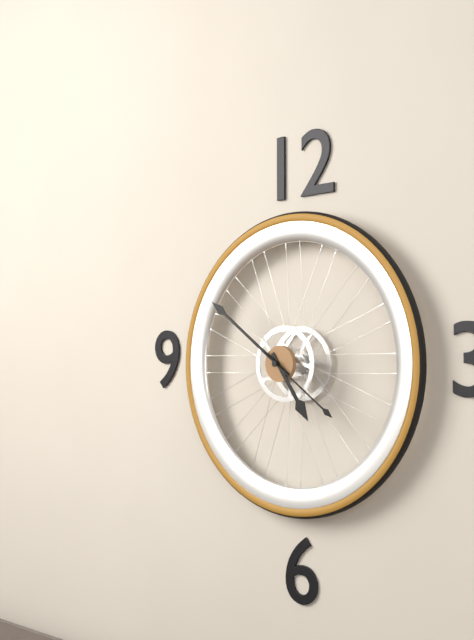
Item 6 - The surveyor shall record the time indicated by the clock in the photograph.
4:51:21
